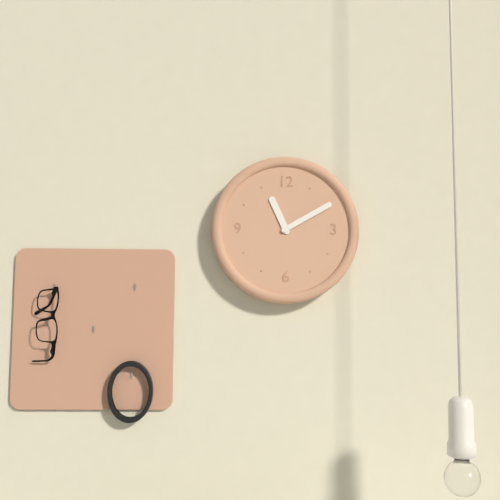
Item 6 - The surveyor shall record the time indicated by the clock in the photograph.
11:10
